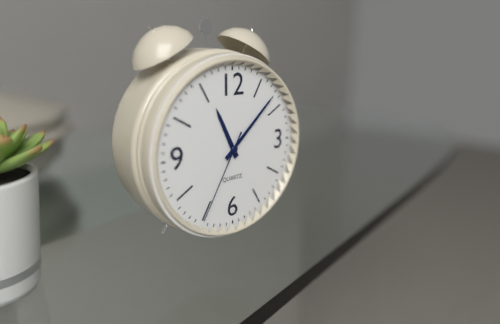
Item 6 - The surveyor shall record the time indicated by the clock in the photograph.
11:08:35
